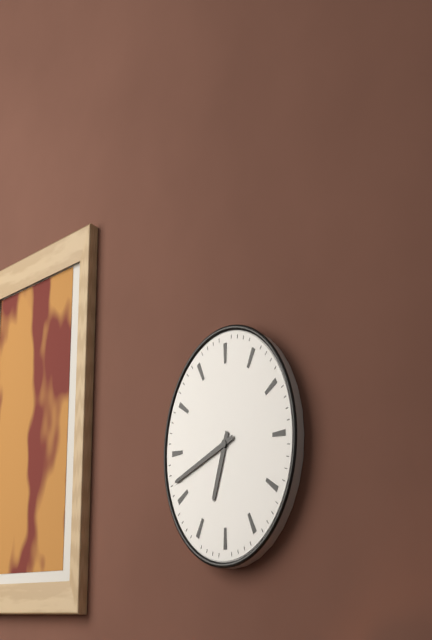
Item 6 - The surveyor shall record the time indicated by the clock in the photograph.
6:42
